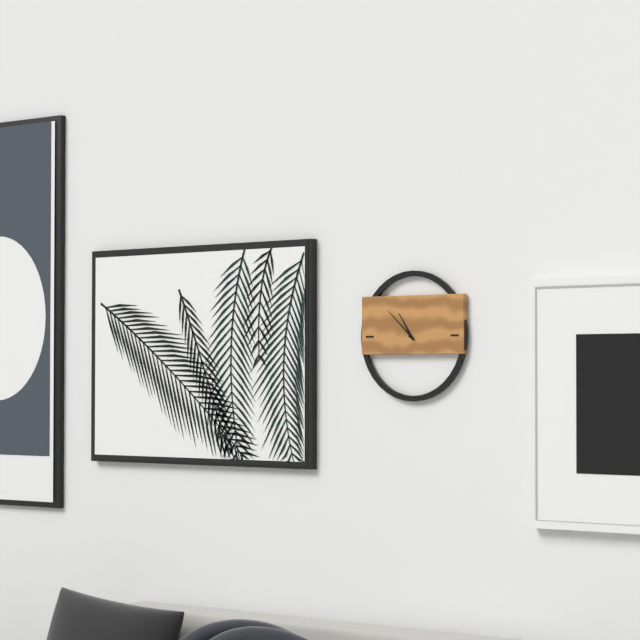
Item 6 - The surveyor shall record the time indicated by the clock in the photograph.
10:52
